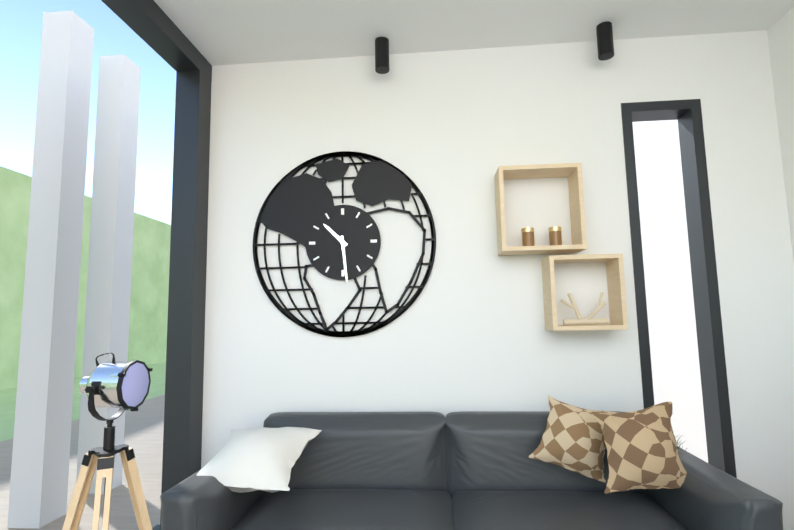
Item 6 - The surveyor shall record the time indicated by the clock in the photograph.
10:29
